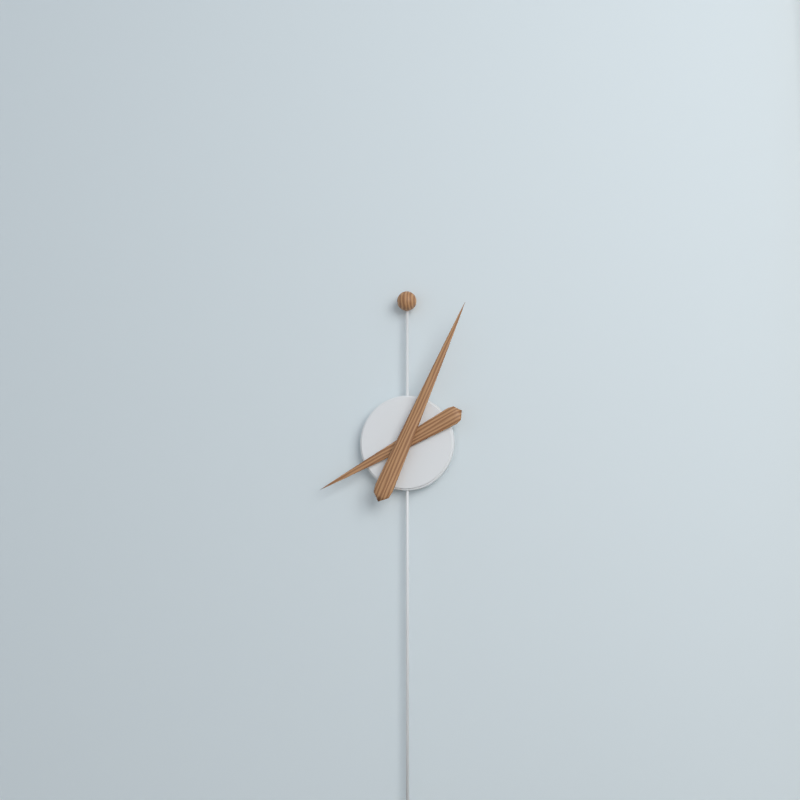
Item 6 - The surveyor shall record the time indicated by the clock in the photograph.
8:04
